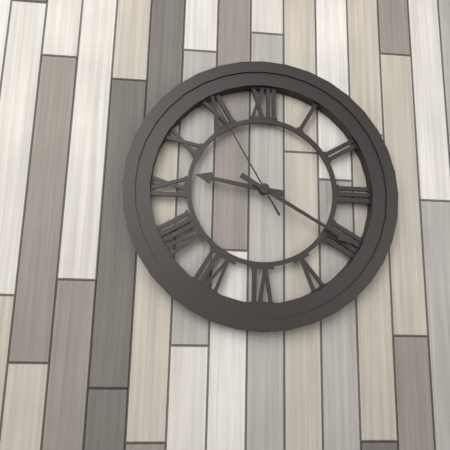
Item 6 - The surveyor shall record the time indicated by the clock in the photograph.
9:20:55
